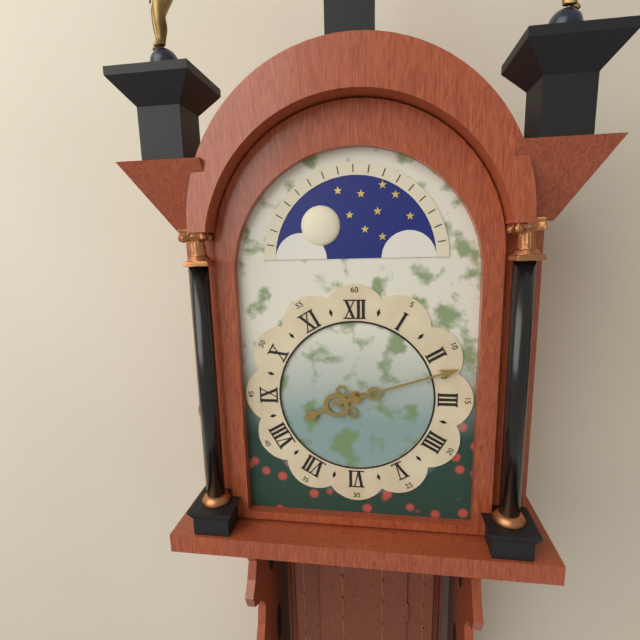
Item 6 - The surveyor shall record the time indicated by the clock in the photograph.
8:12
